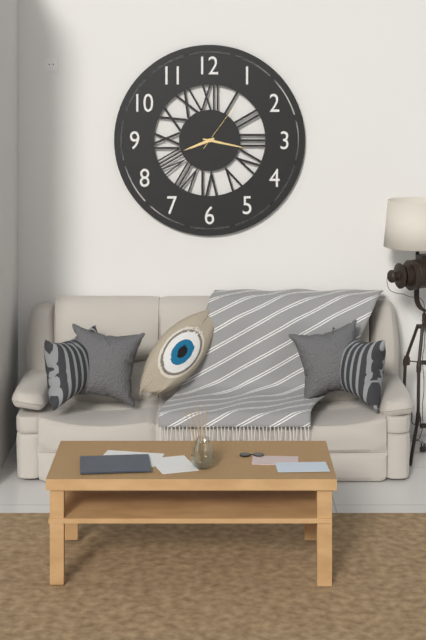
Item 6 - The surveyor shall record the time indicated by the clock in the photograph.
8:17:06
